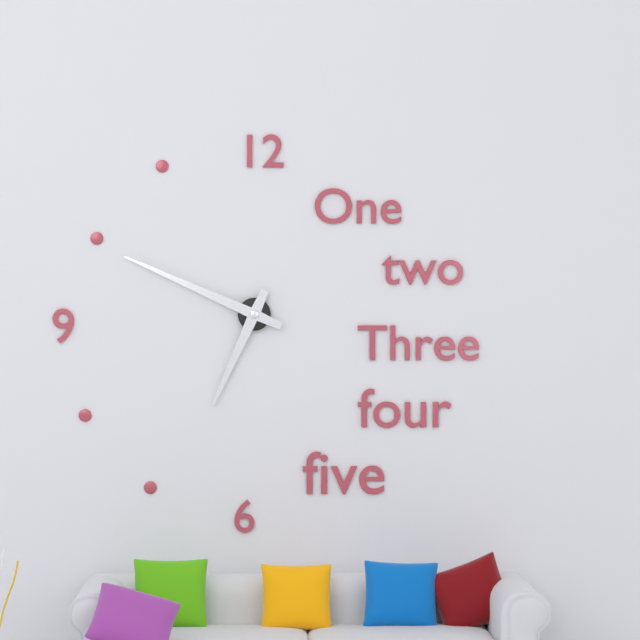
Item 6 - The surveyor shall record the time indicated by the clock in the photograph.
6:49
